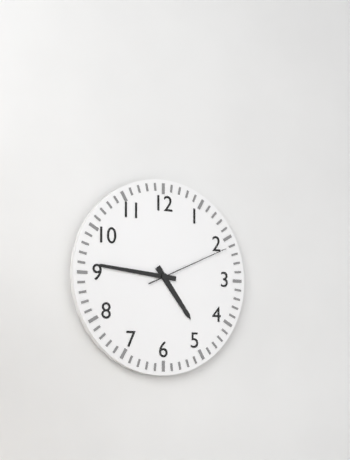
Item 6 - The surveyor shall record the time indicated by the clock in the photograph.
4:46:11
